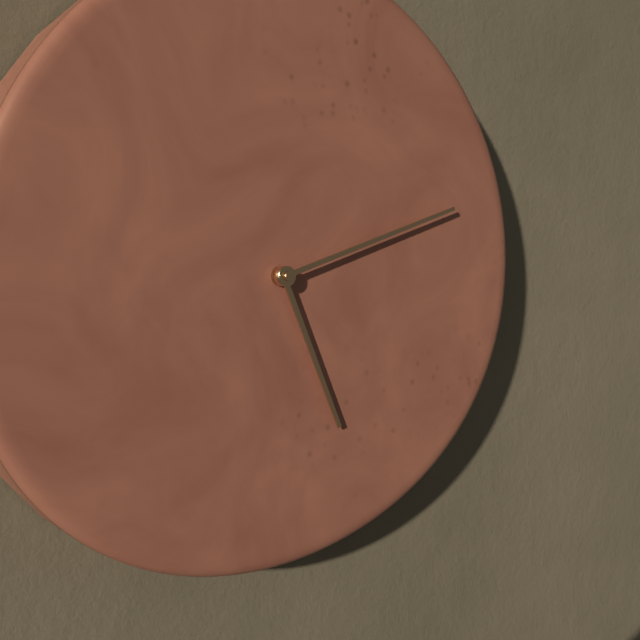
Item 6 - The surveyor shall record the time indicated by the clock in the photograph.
5:12
